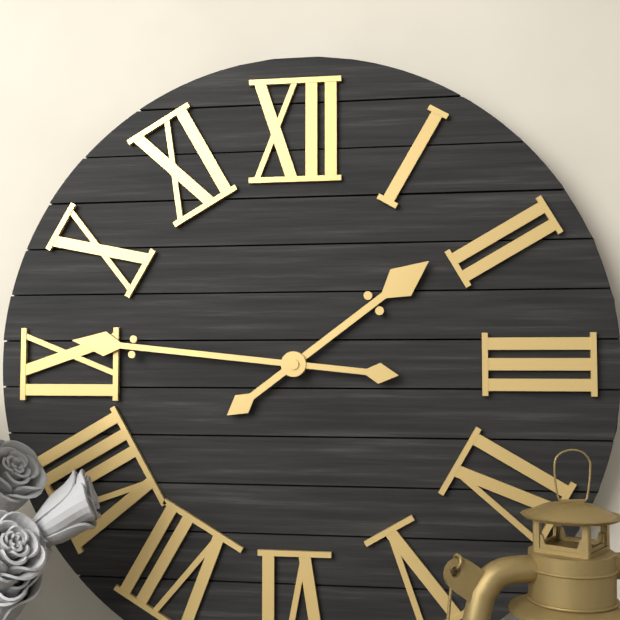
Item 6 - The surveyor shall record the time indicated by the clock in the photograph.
1:46
